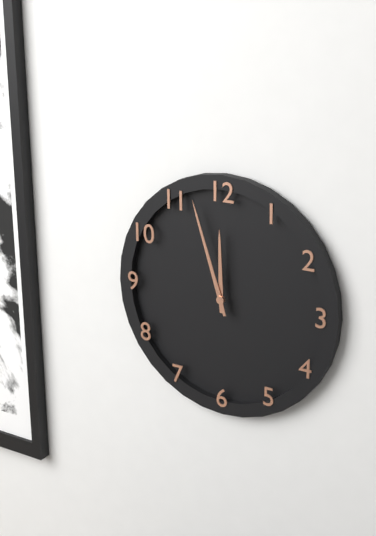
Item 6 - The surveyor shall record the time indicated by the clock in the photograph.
11:57
